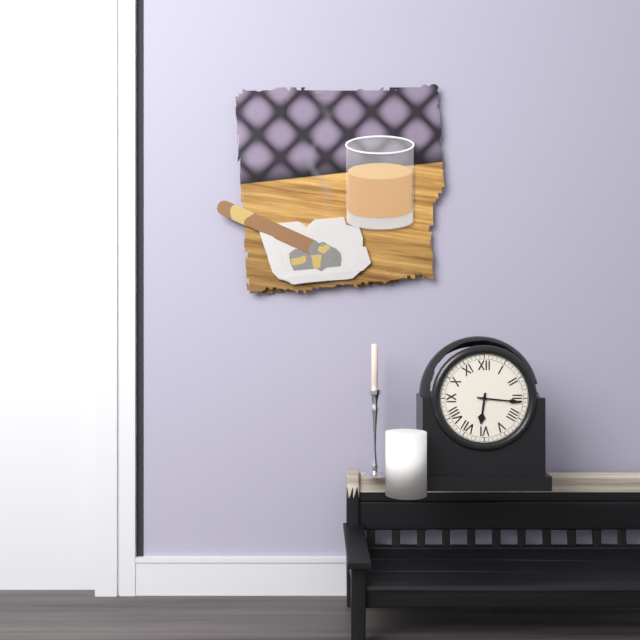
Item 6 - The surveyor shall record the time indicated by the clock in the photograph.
6:16
